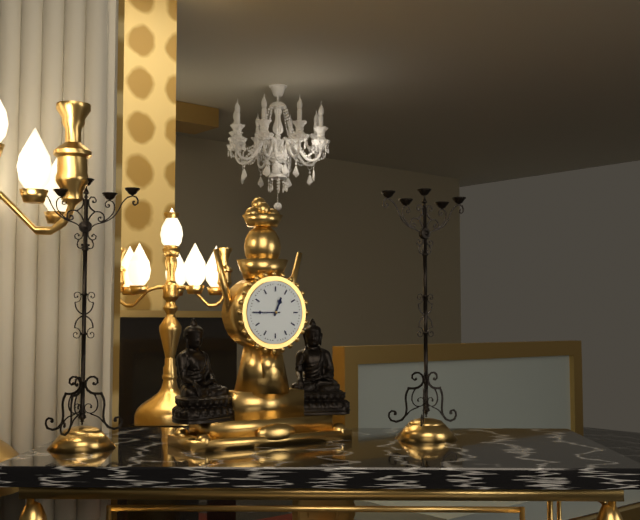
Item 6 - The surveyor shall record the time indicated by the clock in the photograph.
12:45
